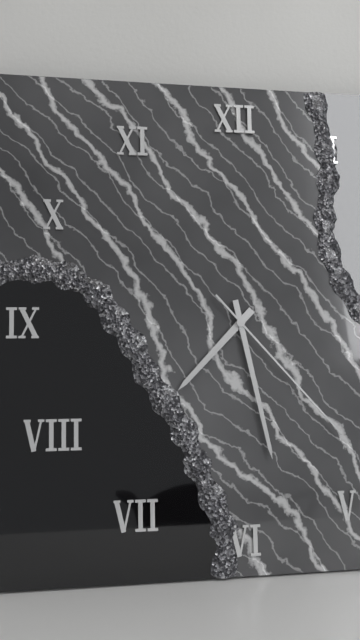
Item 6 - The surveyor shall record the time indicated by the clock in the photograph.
7:28:23
